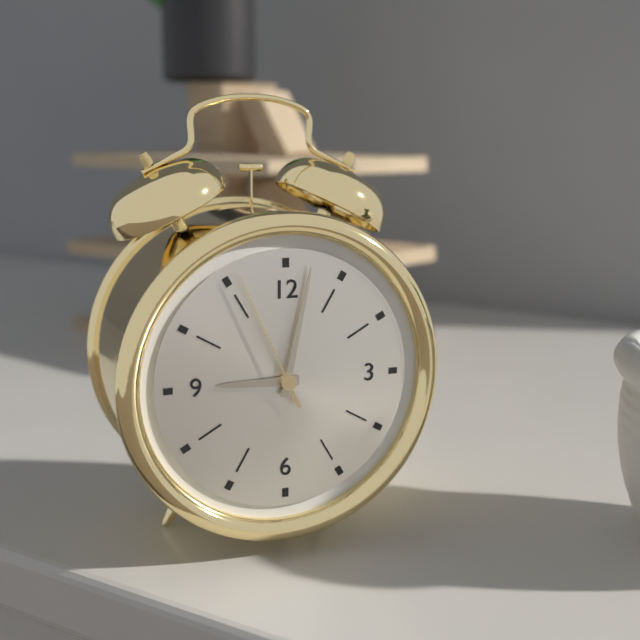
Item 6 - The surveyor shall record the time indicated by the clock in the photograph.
9:02:56
